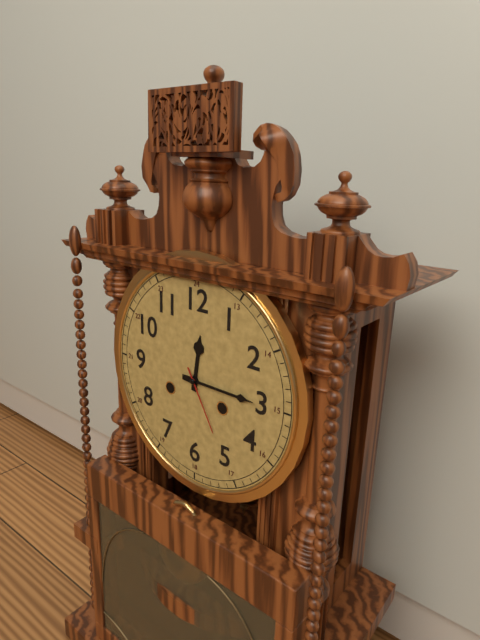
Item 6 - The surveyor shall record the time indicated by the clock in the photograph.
12:15:25
